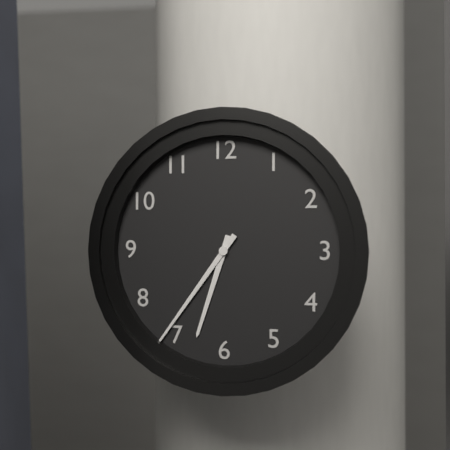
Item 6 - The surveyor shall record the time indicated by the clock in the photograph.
6:36
